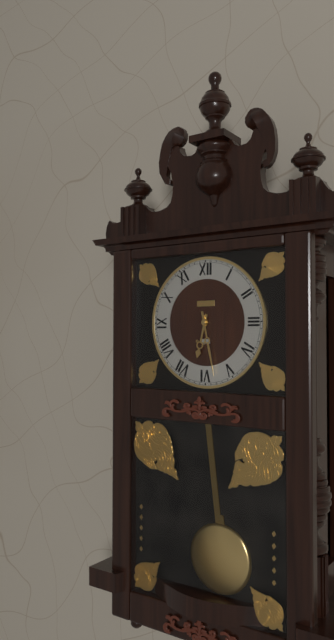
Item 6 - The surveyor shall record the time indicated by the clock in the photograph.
6:28
